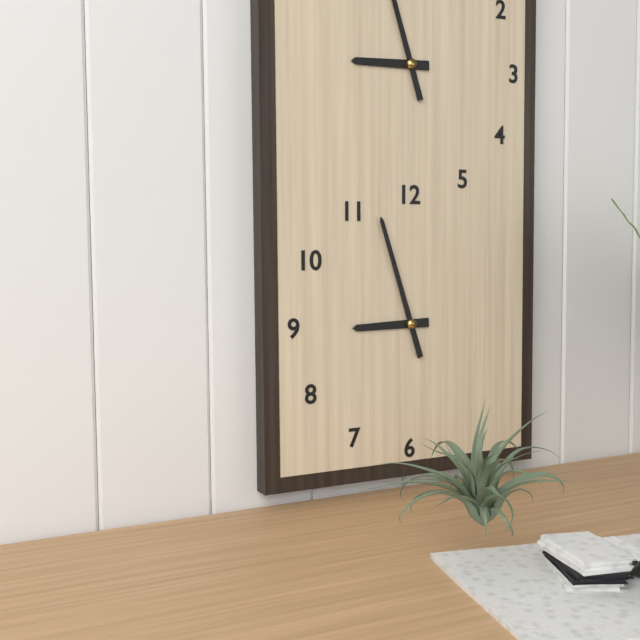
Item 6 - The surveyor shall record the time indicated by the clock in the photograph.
8:57
